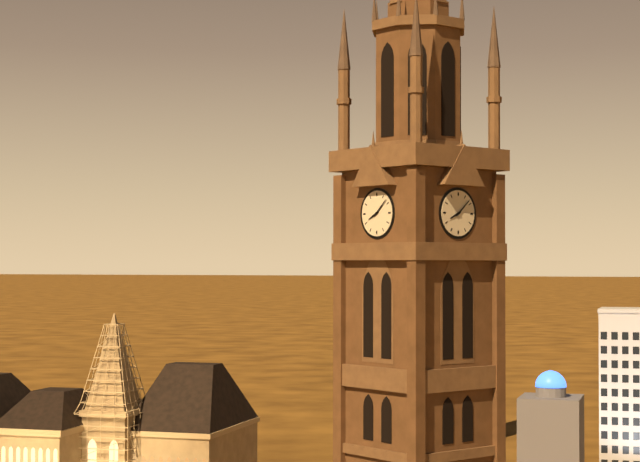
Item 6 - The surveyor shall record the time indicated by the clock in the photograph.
8:08
